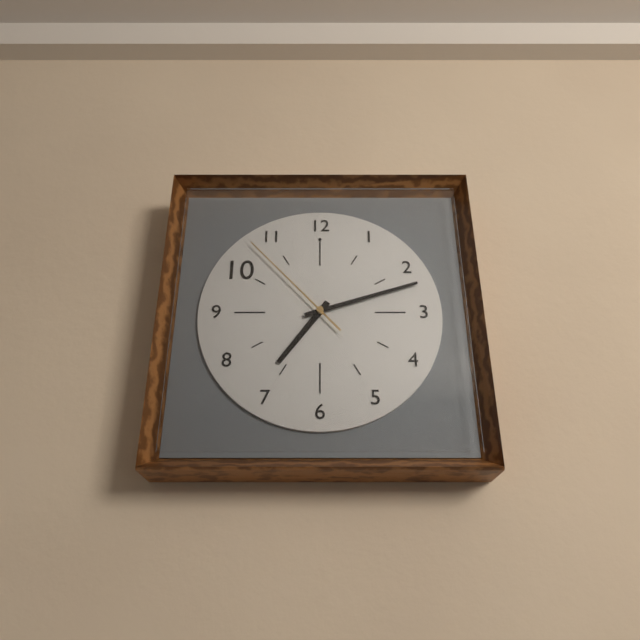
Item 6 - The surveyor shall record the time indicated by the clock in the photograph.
7:12:53
